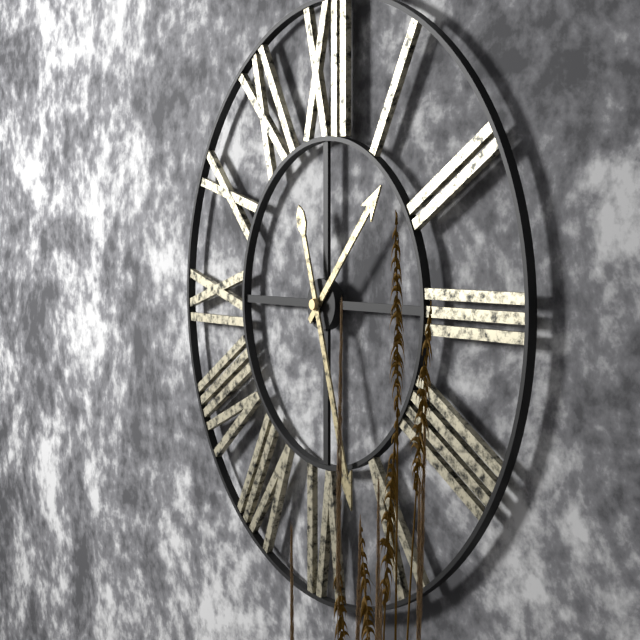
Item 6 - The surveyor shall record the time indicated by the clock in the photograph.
1:27
